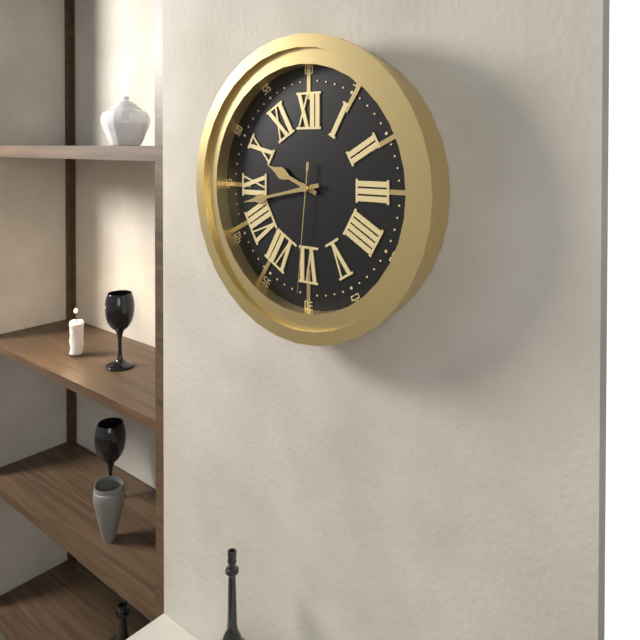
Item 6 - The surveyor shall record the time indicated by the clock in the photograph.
9:43:31
